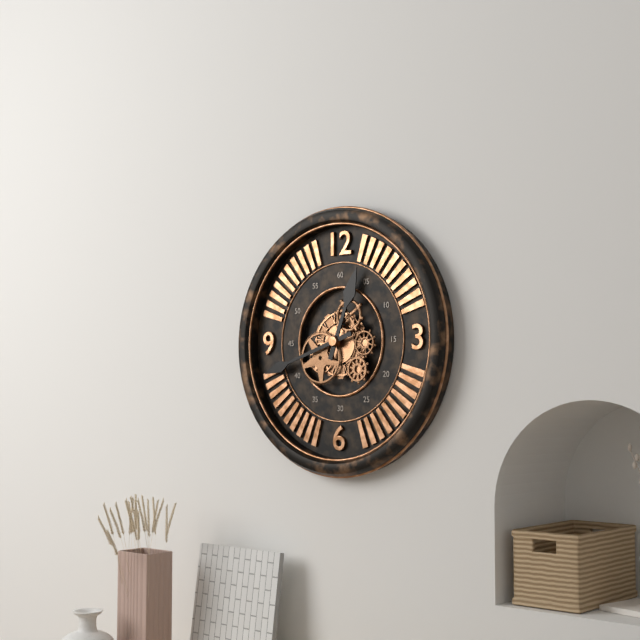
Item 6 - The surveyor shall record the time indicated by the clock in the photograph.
12:42
